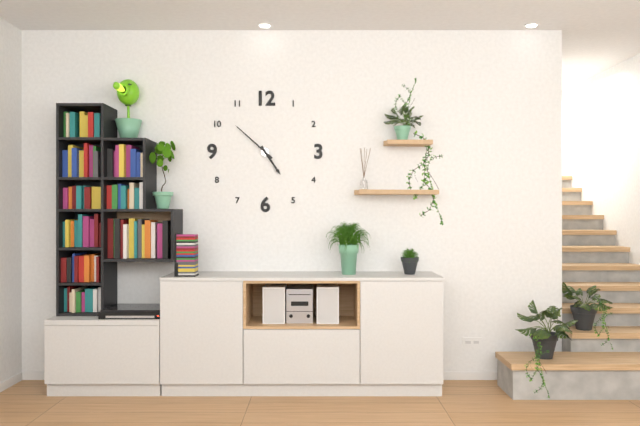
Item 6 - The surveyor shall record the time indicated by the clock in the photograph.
4:52
